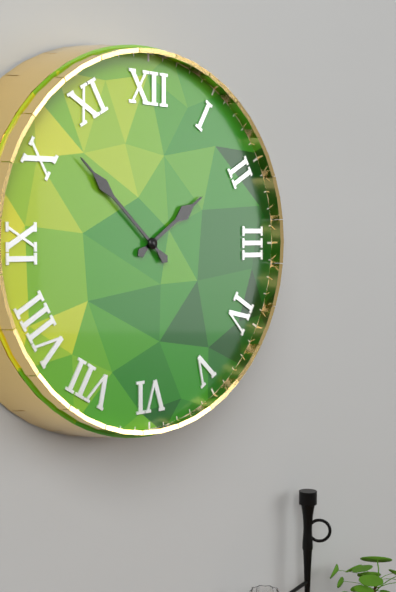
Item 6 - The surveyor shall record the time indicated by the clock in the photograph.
1:52
